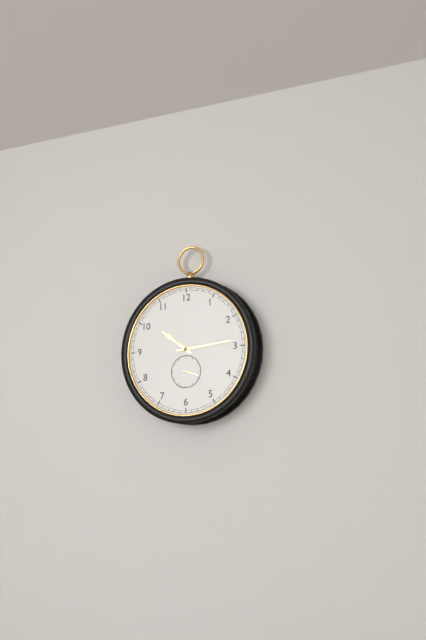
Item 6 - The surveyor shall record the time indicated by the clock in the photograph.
10:14
